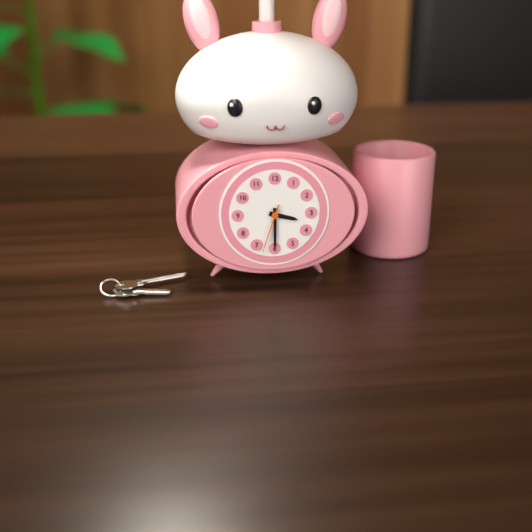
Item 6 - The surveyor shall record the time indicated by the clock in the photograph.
3:30
